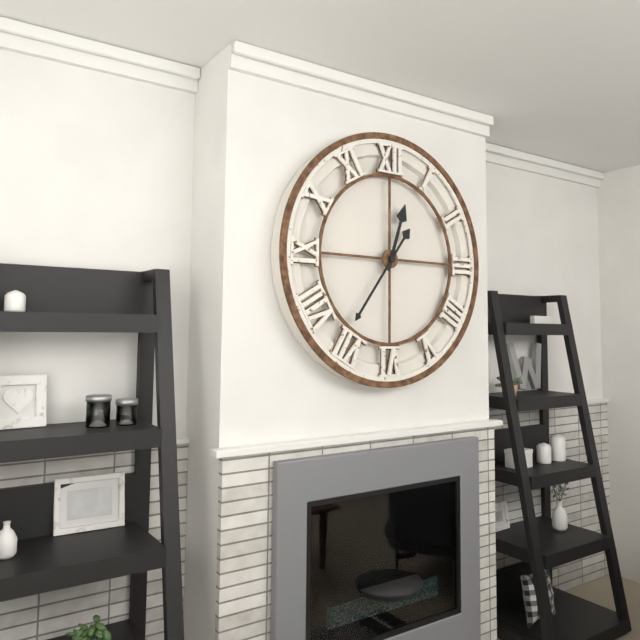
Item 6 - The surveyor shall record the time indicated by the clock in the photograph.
12:36
